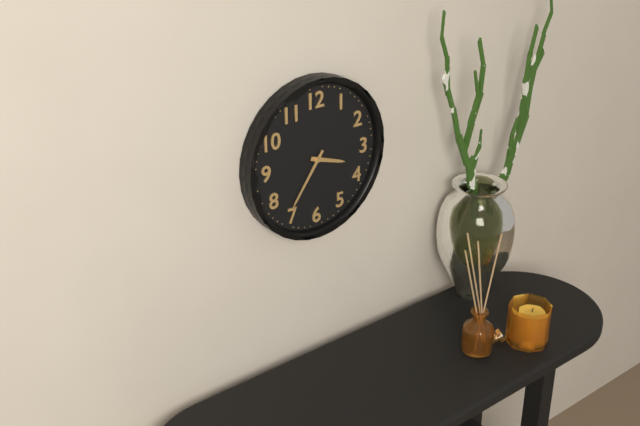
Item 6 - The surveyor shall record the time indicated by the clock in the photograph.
3:36
